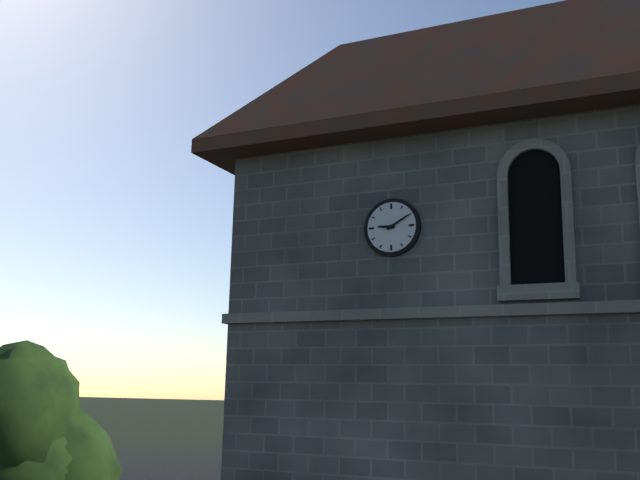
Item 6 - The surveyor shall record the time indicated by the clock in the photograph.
9:10
